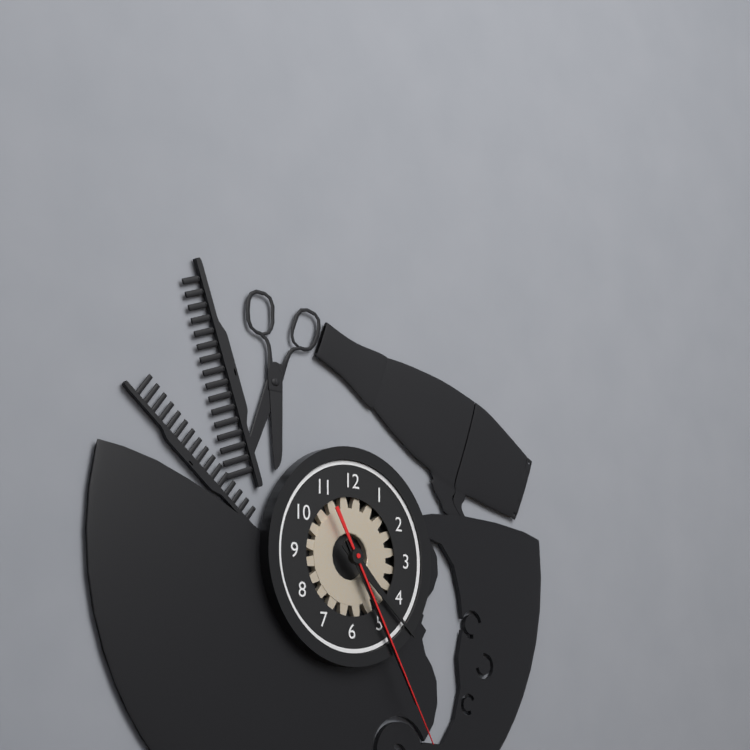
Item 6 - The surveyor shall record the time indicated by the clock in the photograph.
4:25:25
